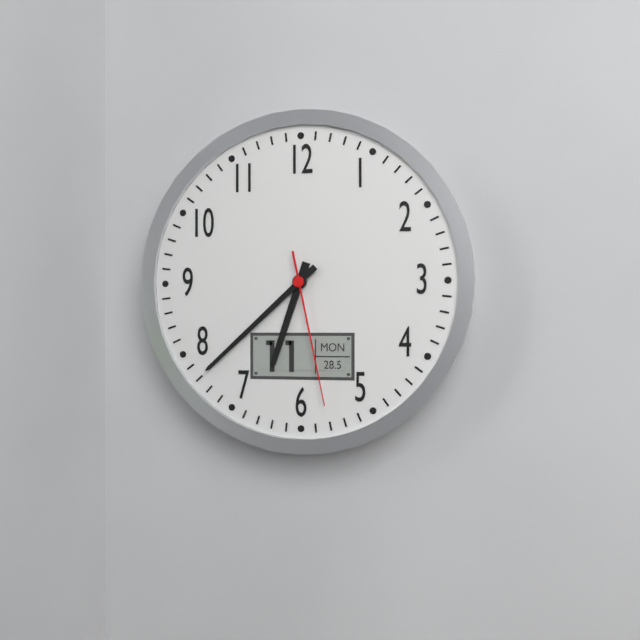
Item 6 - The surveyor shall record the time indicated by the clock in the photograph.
6:38:28
